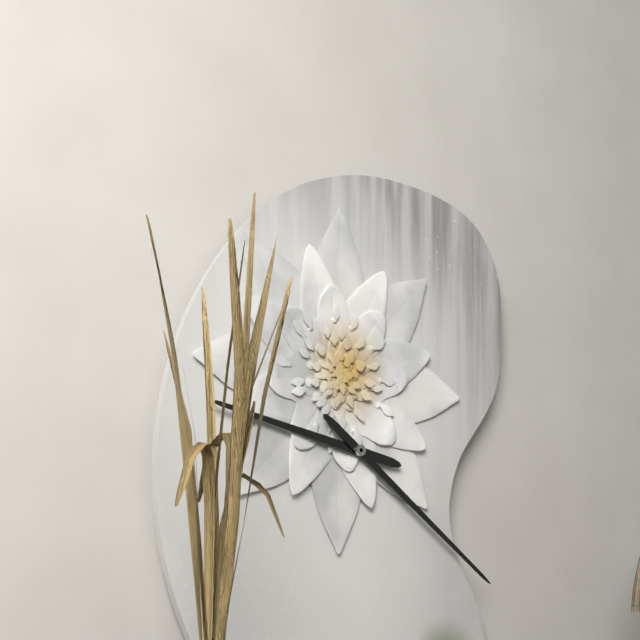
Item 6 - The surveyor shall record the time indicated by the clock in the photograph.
9:21
